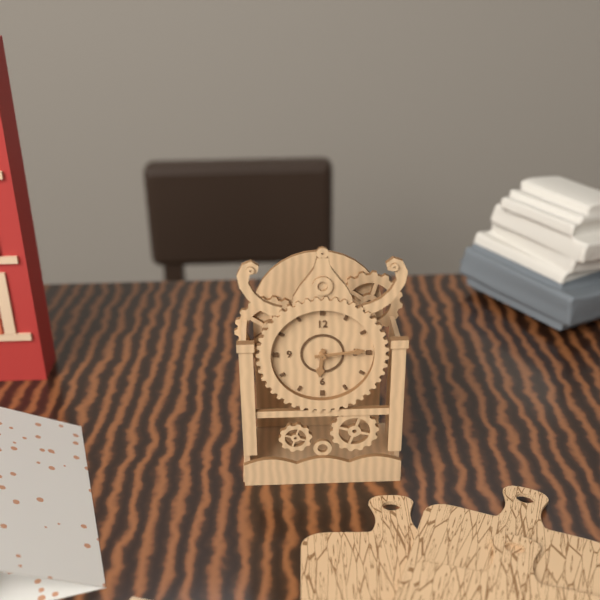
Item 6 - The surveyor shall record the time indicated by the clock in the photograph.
6:14
